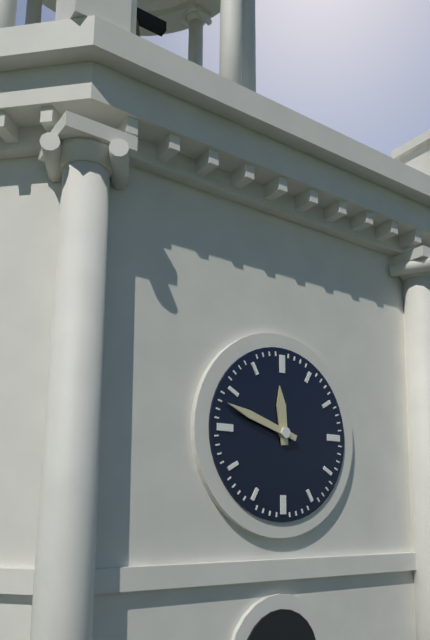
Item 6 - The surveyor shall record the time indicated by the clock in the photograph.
11:48
